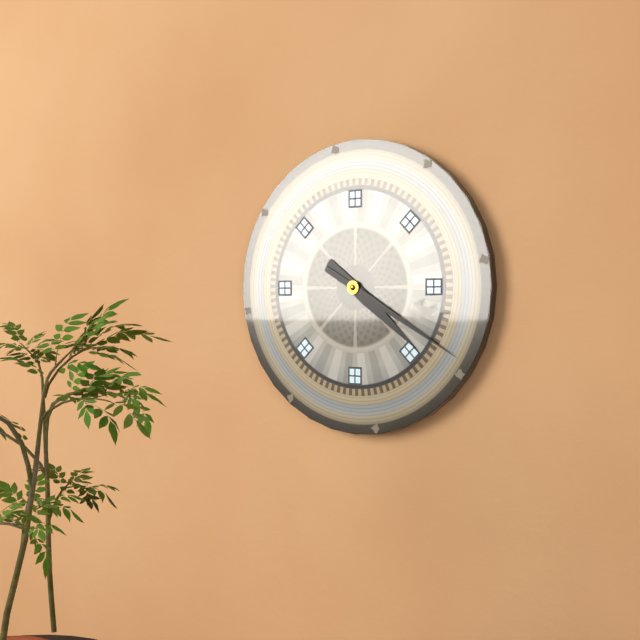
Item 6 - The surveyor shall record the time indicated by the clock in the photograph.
4:20
